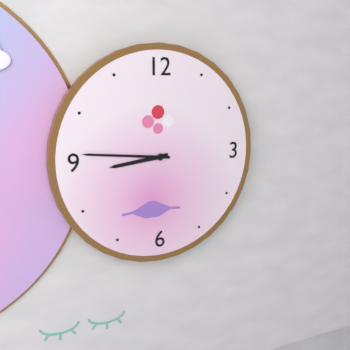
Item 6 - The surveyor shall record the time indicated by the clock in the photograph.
8:46
